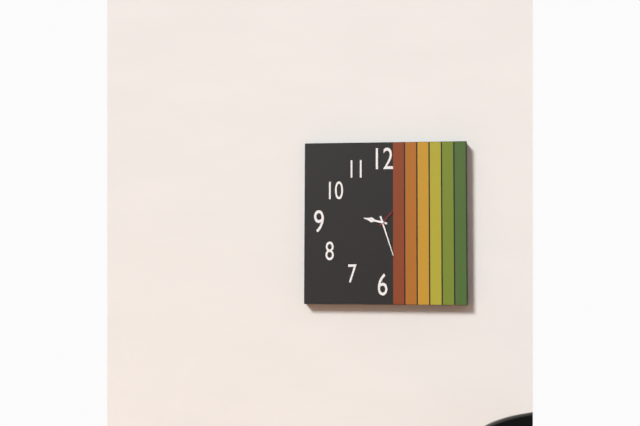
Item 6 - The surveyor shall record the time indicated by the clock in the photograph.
9:27
